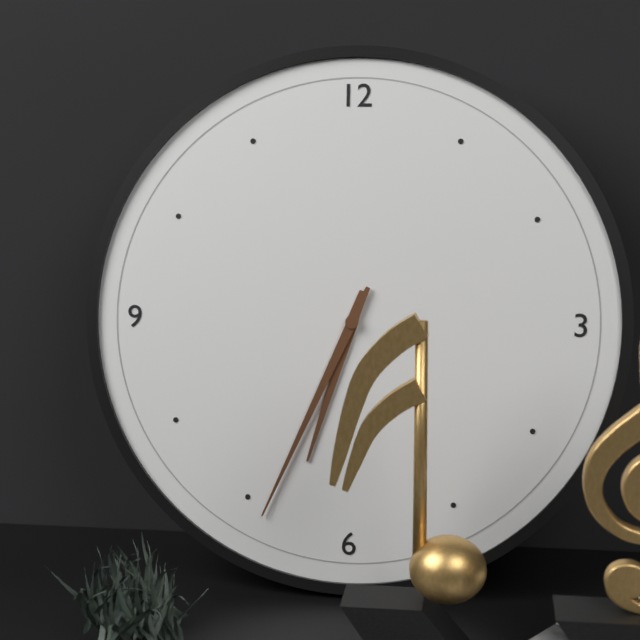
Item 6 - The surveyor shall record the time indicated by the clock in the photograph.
6:34
